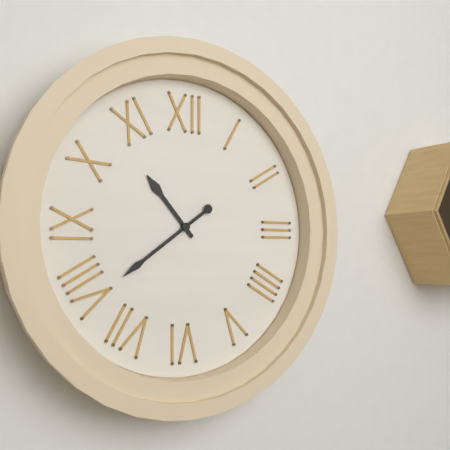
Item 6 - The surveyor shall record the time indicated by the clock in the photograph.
10:39
